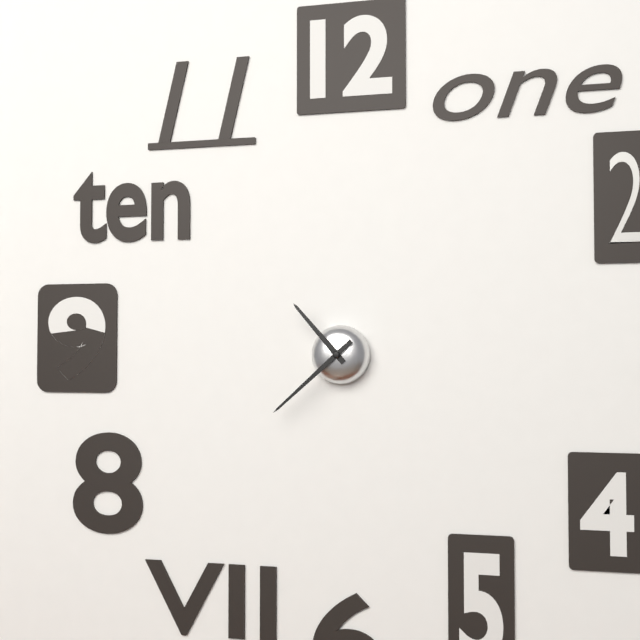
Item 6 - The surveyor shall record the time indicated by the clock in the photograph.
10:38
